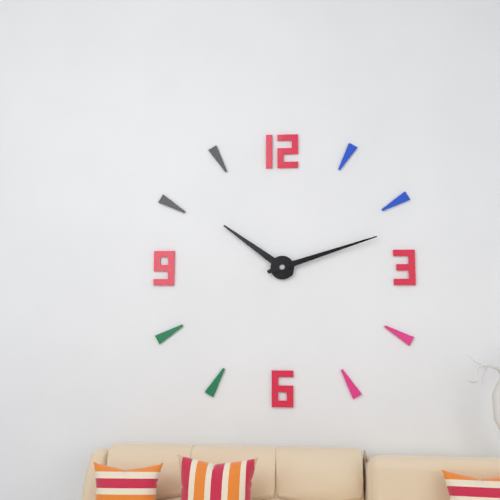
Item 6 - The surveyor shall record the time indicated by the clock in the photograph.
10:12
